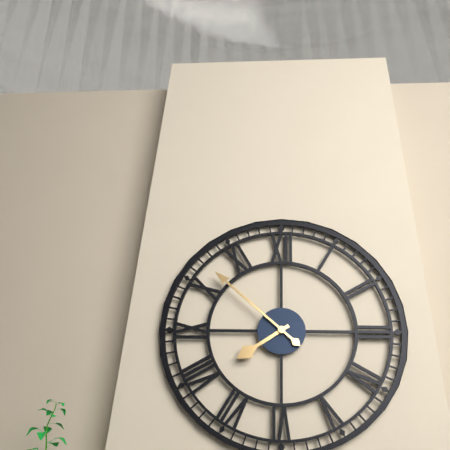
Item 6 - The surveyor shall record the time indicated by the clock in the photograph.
7:52
